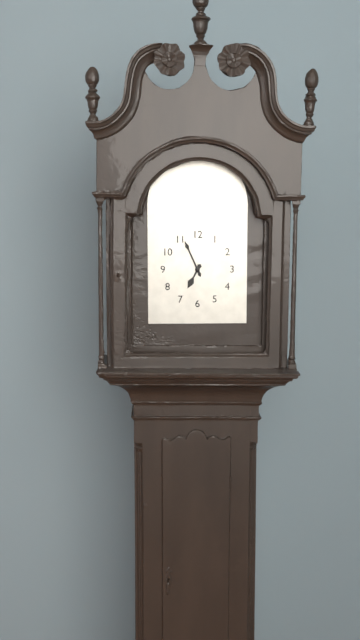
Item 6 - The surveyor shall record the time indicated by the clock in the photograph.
6:56
